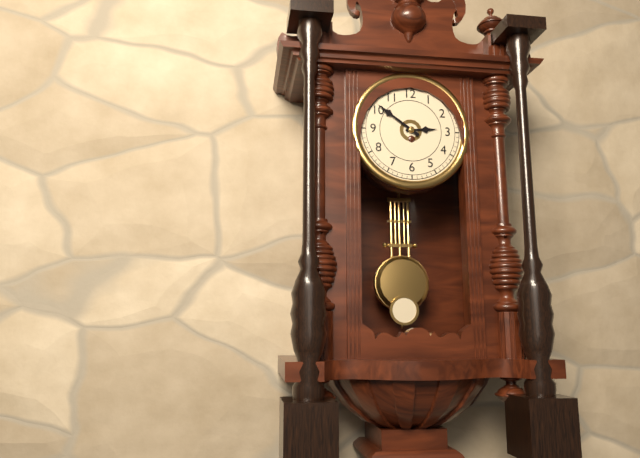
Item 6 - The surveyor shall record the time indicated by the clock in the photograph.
2:51
